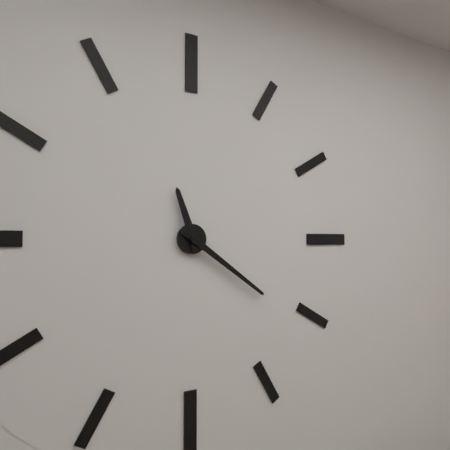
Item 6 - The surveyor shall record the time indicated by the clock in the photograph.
11:21
